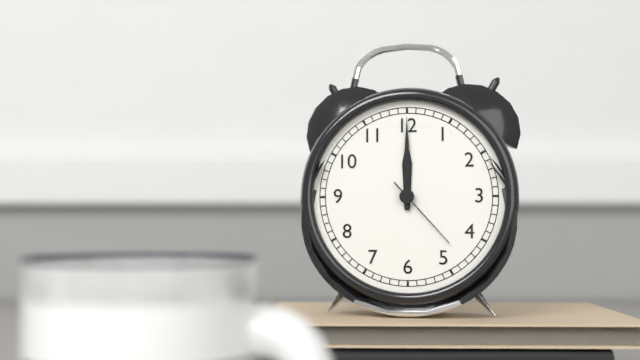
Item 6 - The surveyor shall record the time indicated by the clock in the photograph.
12:00:23
